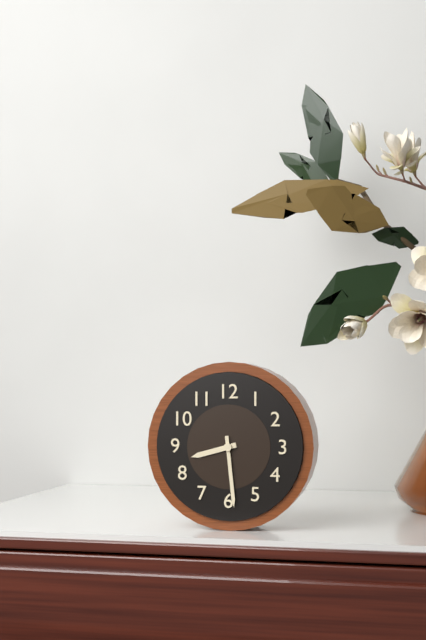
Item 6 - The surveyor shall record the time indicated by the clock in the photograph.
8:29
